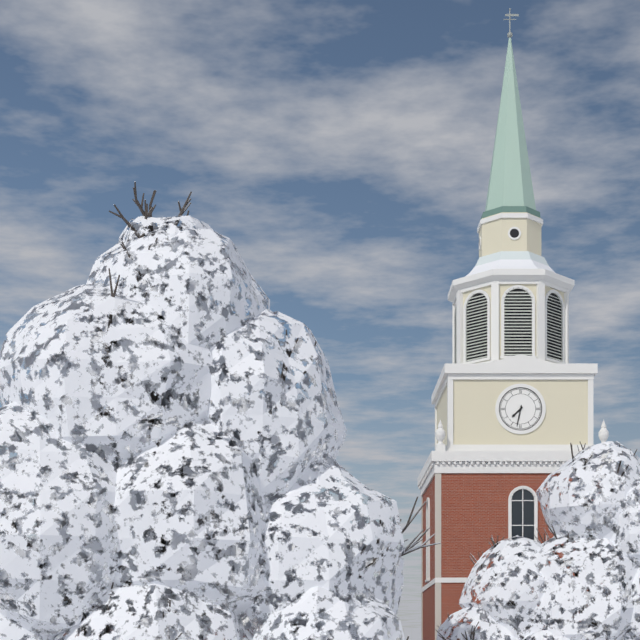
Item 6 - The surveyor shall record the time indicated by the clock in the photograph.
7:32
